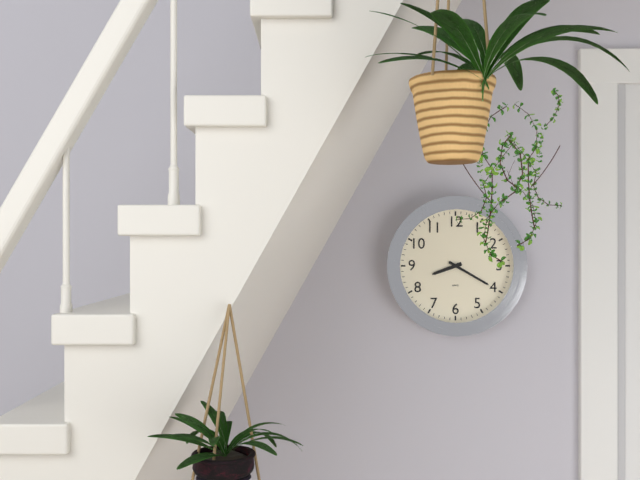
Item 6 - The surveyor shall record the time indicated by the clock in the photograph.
8:20
